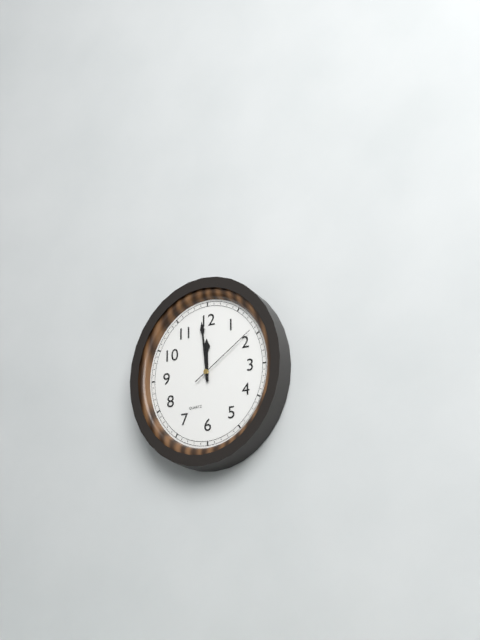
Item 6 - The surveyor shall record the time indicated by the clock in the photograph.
11:59:09
